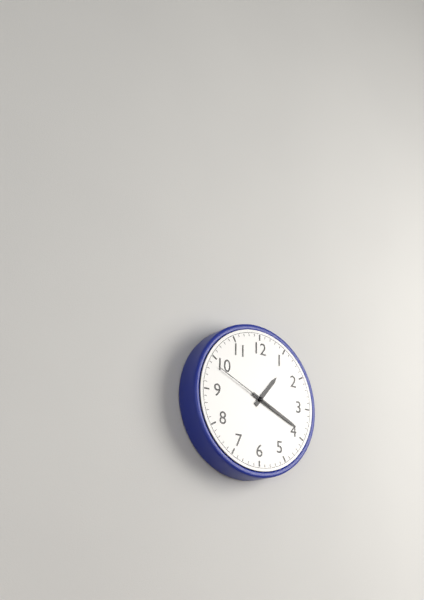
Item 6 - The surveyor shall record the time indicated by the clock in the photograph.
1:19:49
